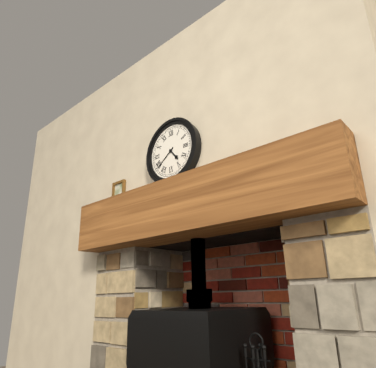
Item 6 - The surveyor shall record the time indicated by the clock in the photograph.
4:39
